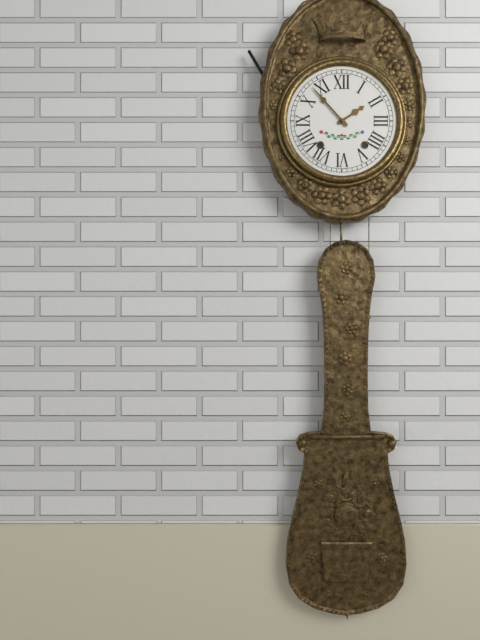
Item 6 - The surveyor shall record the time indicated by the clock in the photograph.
1:53
